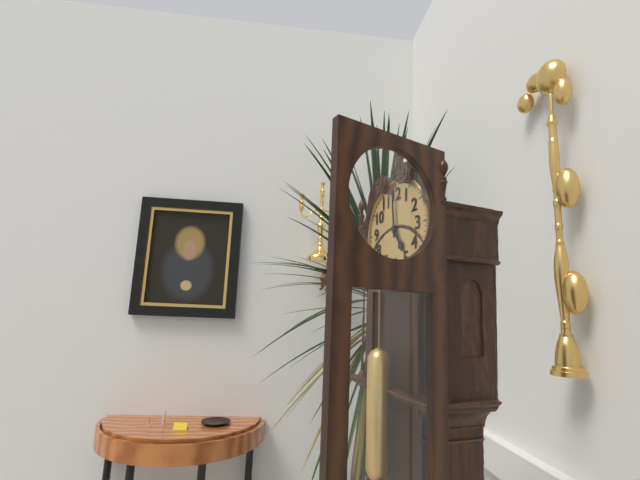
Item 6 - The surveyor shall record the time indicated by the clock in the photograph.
4:59
